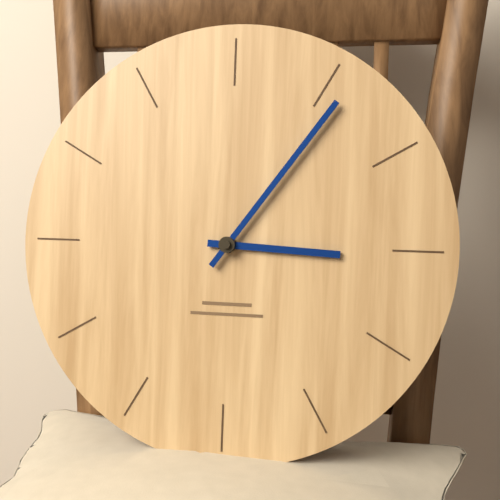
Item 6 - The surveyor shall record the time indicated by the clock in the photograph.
3:06
